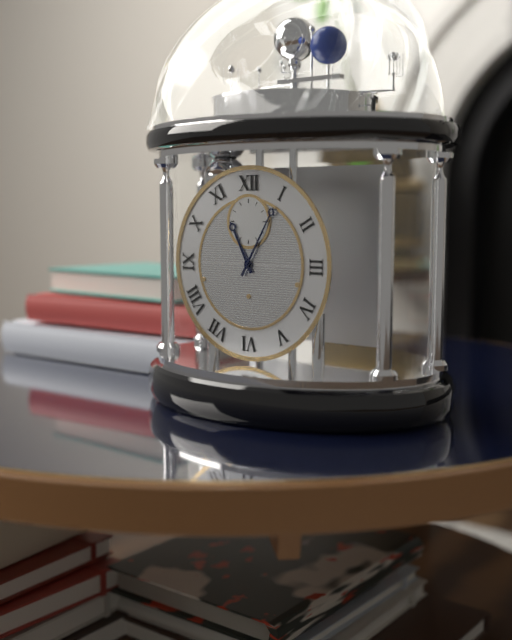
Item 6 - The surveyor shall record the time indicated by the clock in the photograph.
11:05
